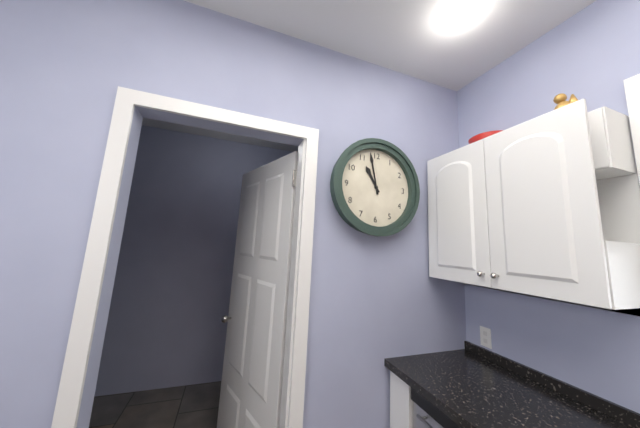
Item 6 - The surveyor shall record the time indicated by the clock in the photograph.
10:58
